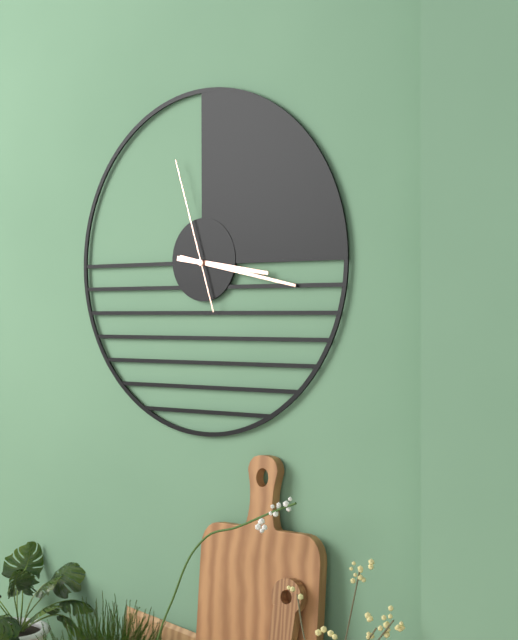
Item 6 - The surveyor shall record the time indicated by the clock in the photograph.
3:17:57
